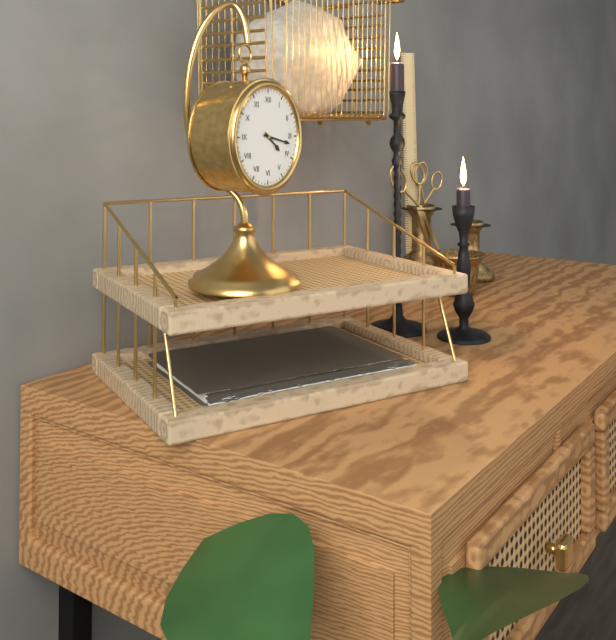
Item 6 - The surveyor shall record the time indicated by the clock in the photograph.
4:17
